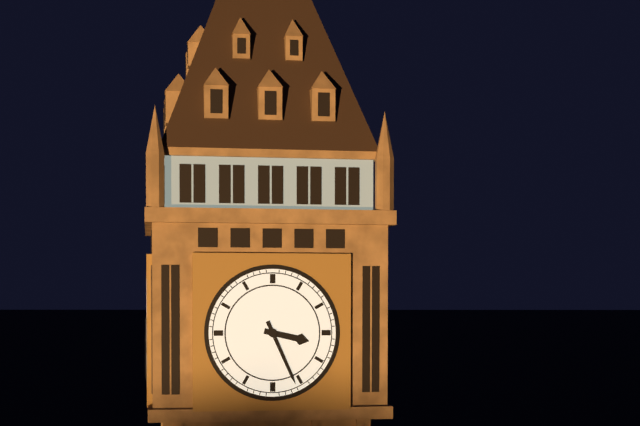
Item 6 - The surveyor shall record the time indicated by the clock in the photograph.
3:26
